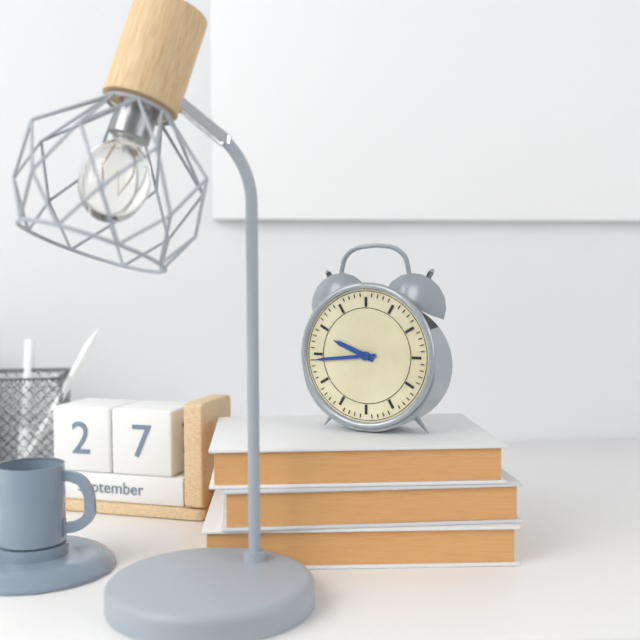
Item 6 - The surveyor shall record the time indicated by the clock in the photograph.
9:44
